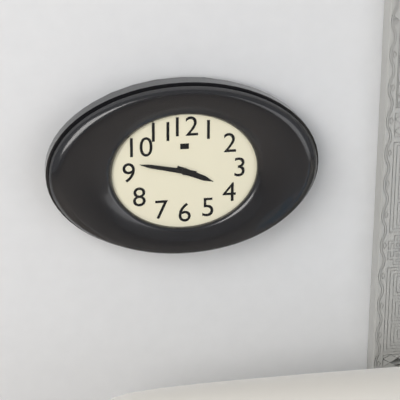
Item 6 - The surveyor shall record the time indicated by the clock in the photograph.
3:47
